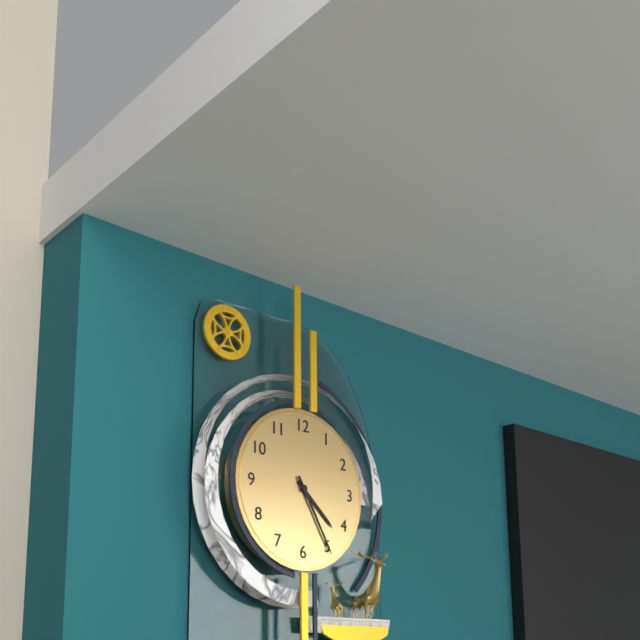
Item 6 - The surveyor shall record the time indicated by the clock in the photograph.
4:25
